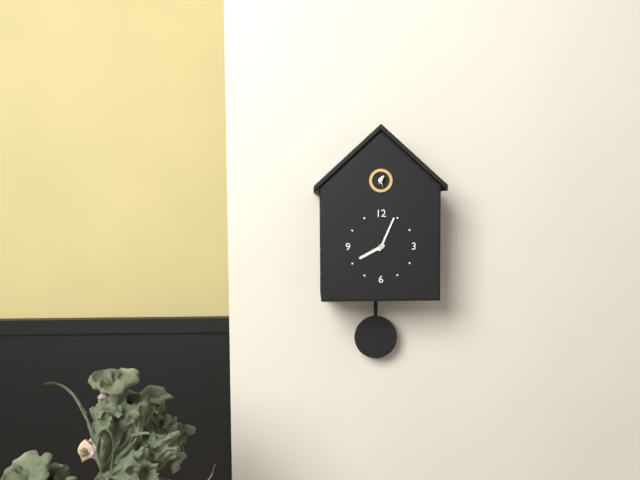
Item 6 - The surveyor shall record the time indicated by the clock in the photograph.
8:04
